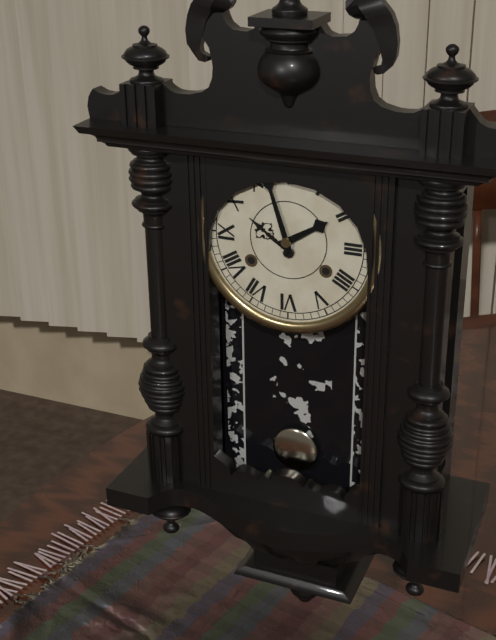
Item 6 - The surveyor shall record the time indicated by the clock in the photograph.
1:57
